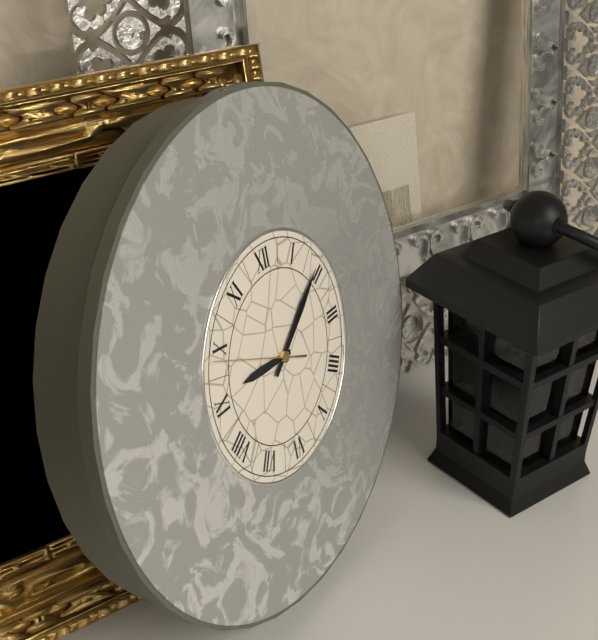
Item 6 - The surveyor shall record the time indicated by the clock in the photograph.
9:09:49
